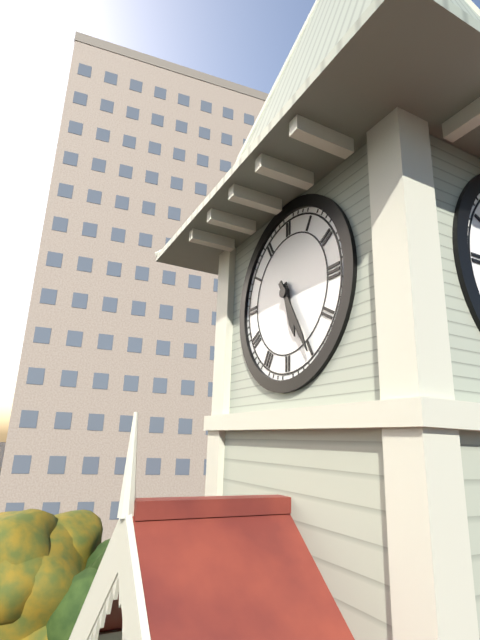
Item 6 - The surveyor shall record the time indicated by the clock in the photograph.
5:25
